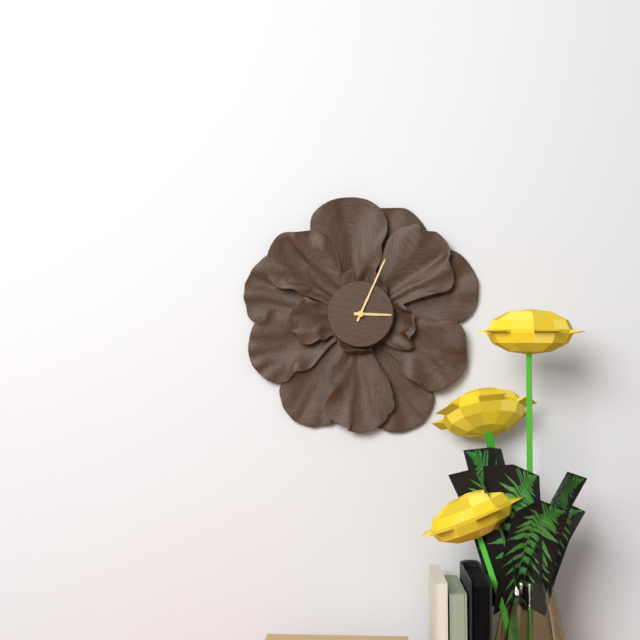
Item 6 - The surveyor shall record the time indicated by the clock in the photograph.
3:04
